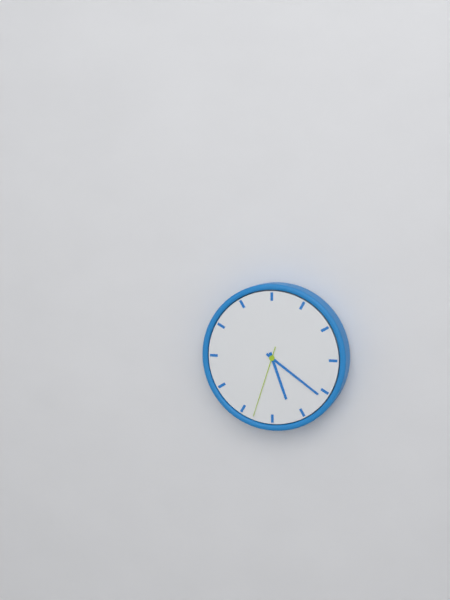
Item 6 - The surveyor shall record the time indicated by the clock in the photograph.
5:21:33
